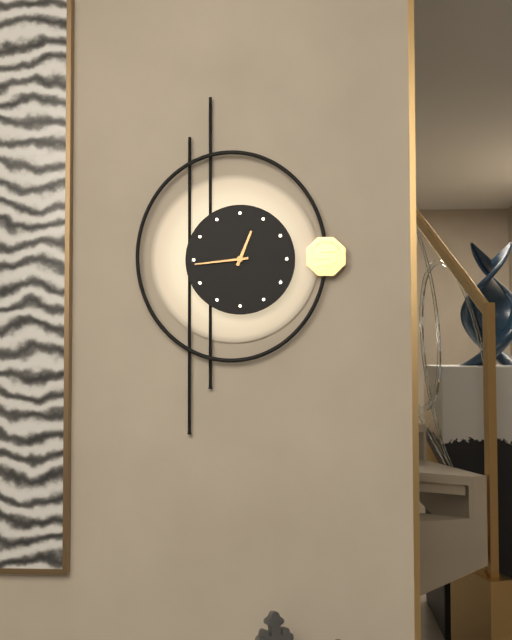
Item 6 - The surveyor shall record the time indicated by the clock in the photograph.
12:44
